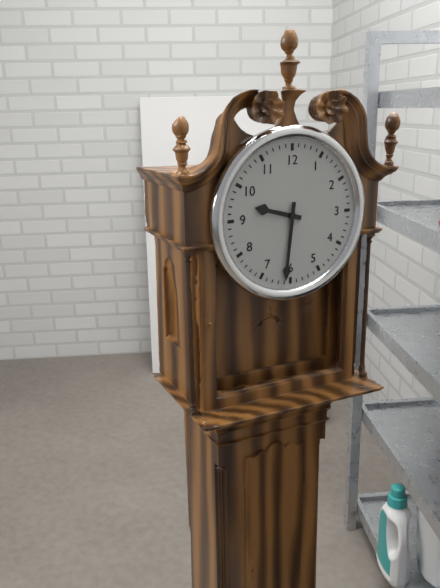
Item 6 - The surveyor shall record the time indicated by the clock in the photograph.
9:31
